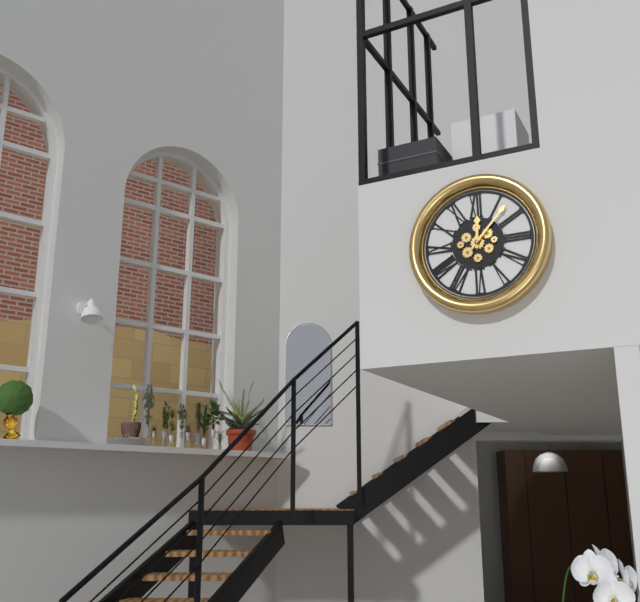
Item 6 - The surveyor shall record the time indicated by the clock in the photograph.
12:07
